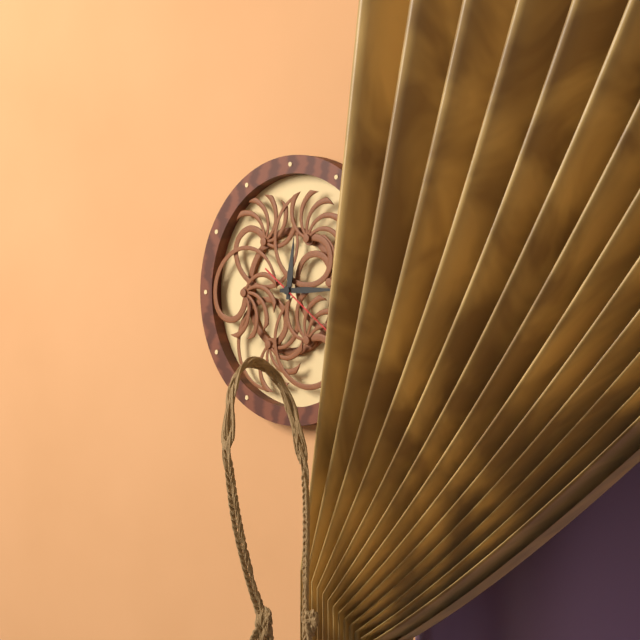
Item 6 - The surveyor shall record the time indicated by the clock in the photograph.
12:15:21
